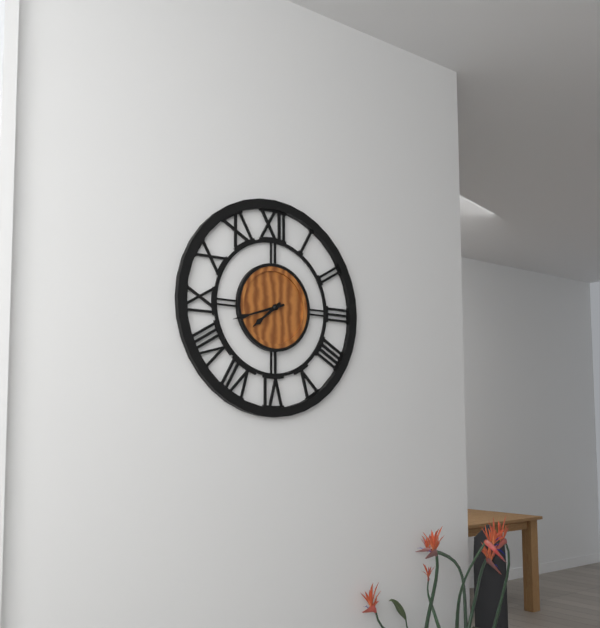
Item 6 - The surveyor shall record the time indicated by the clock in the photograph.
7:42
